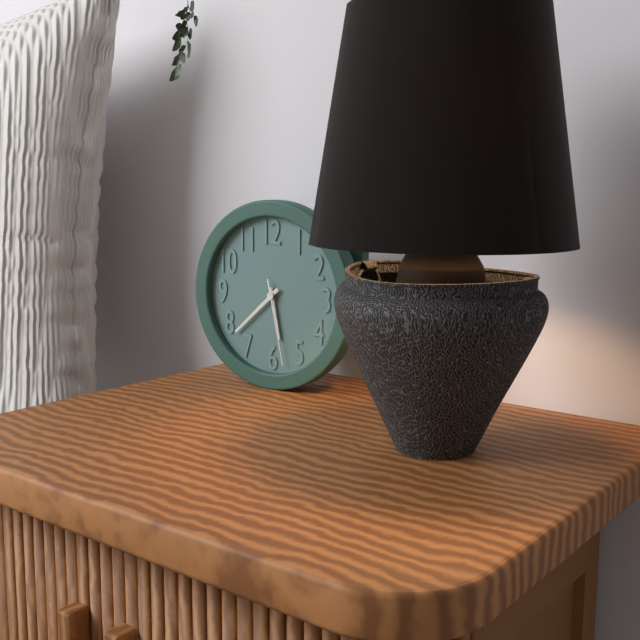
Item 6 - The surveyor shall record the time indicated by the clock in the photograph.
5:38:28
